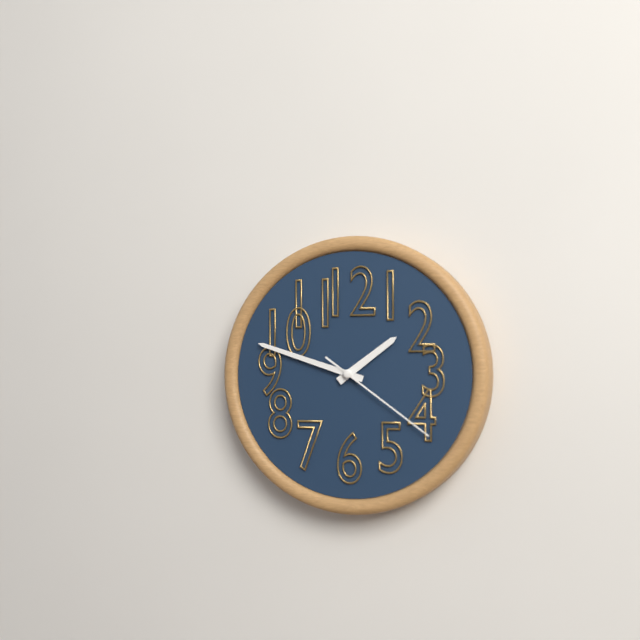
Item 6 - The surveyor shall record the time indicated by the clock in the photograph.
1:48:21
